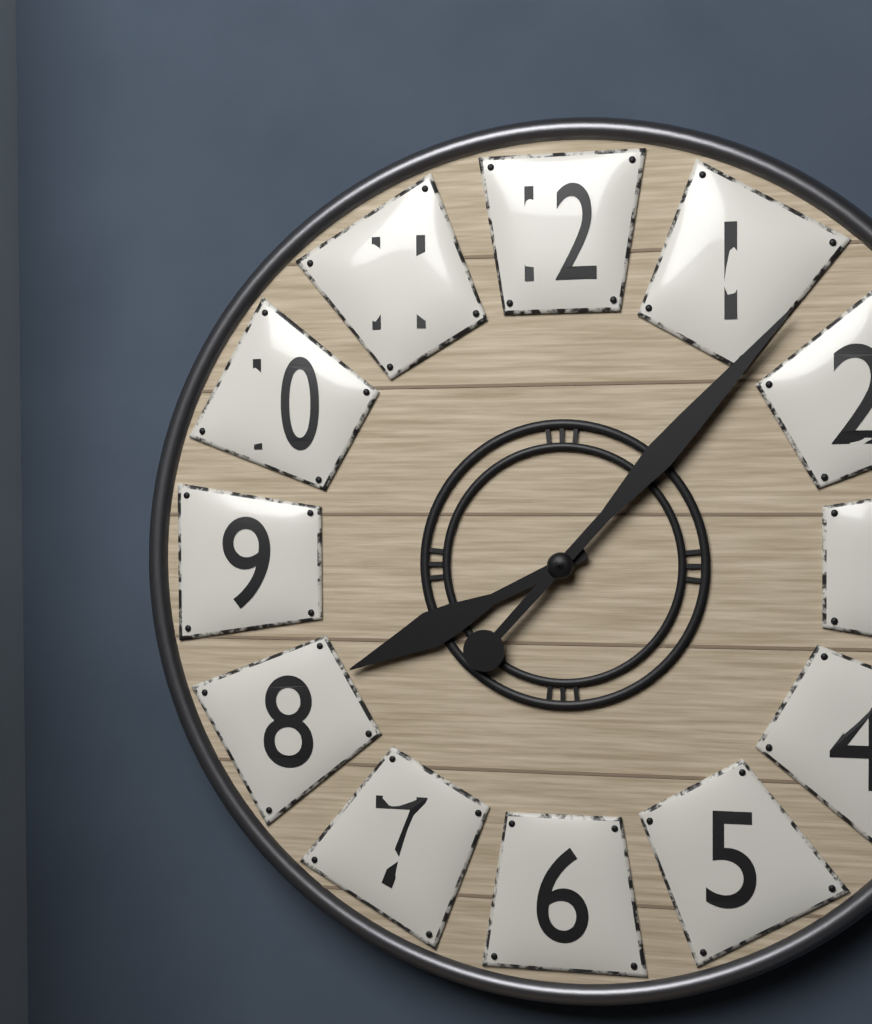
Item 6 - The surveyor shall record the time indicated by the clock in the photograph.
8:07
